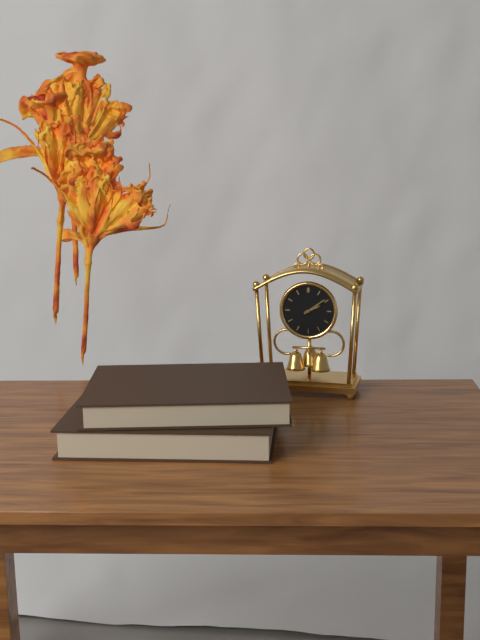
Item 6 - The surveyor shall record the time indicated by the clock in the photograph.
2:09
